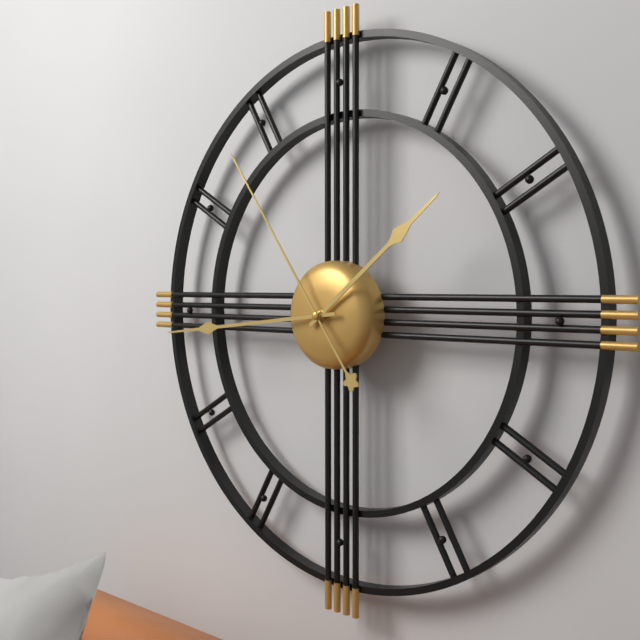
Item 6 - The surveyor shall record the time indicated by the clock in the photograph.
1:44:54
